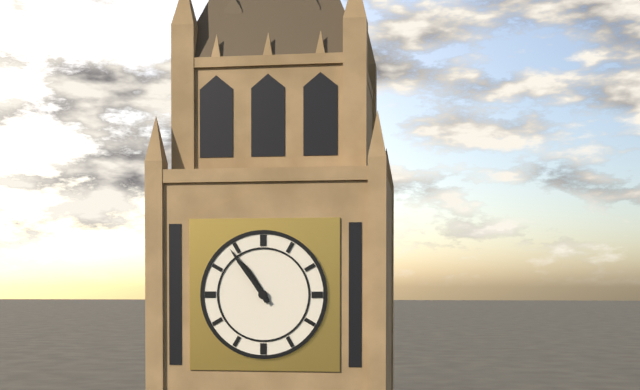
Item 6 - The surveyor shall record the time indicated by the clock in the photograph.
10:54
